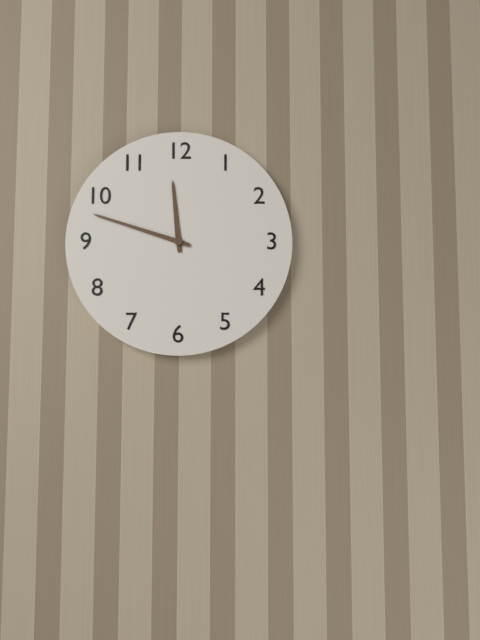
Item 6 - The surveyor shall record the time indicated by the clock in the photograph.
11:48
